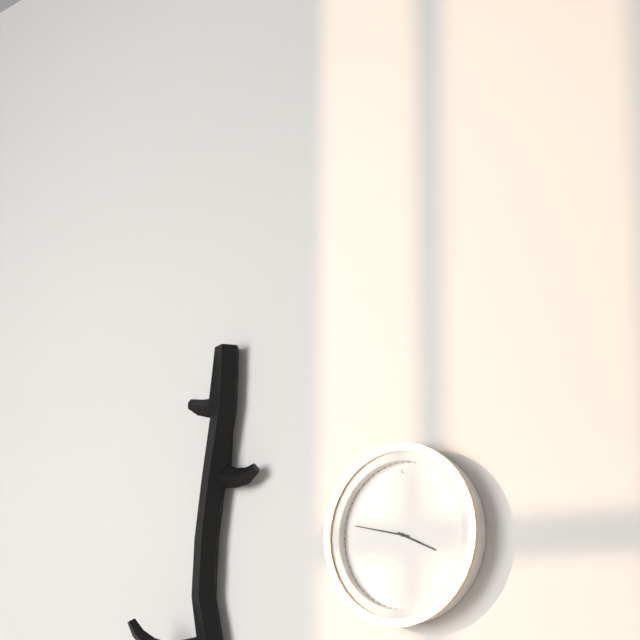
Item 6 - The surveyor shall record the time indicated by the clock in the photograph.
3:47
